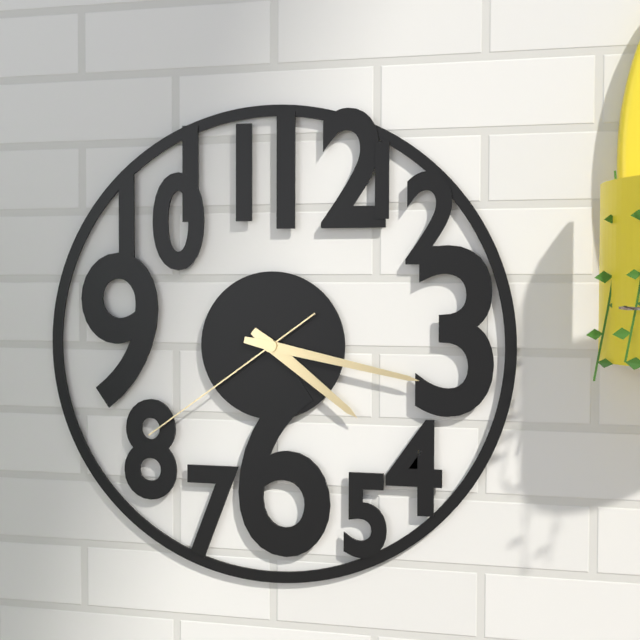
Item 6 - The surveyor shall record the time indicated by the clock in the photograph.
4:17:39
